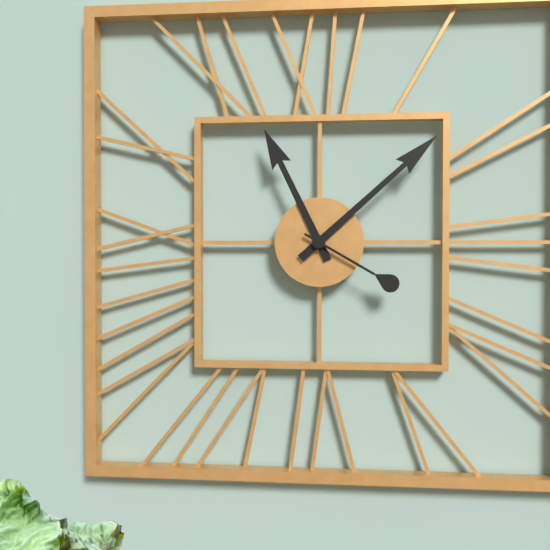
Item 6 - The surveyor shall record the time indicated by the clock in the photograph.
11:08:20
